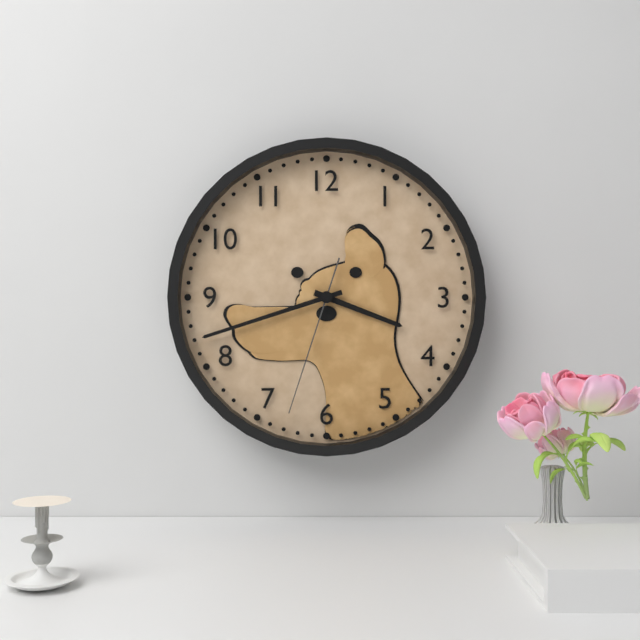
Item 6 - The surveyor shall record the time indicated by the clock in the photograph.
3:42:33
